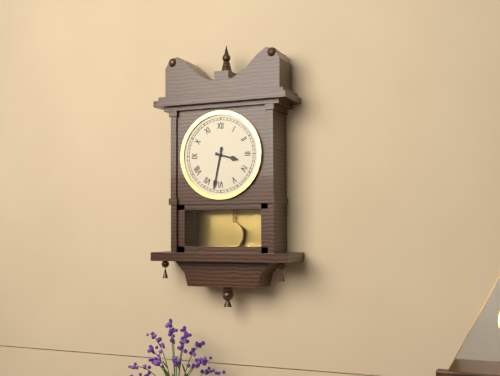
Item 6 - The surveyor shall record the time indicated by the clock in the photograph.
3:32
